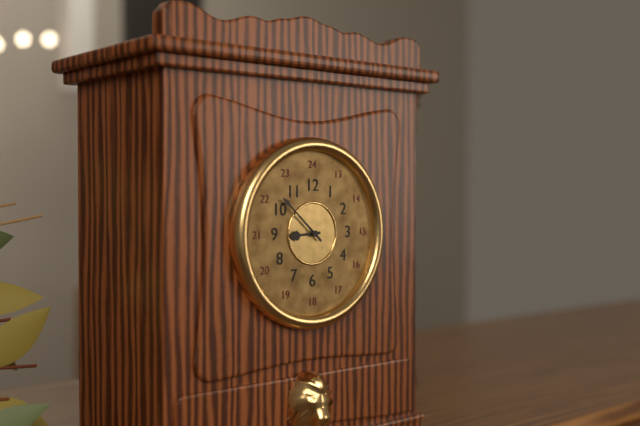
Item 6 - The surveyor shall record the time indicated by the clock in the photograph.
8:52
